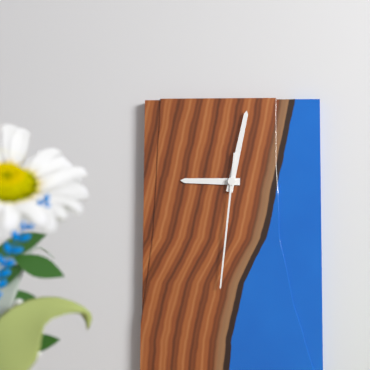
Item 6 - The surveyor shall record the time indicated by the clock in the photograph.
9:02:31
